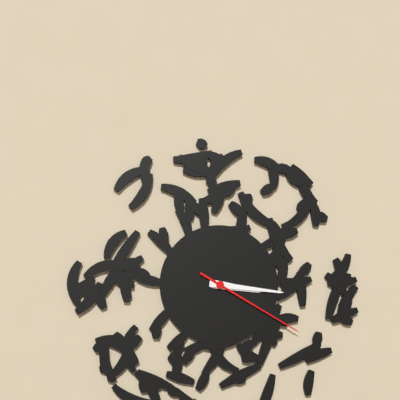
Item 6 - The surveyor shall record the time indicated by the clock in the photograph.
3:16:20
